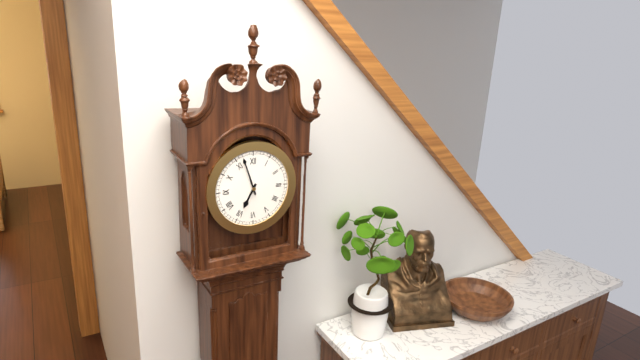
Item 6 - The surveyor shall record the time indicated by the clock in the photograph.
6:57
